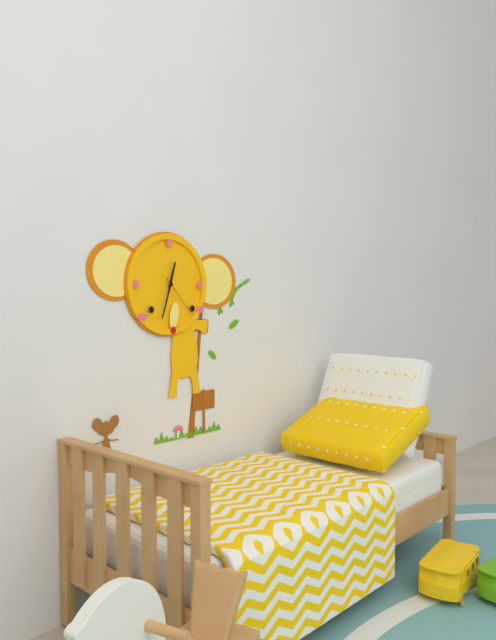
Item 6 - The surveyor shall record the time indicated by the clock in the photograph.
12:33
